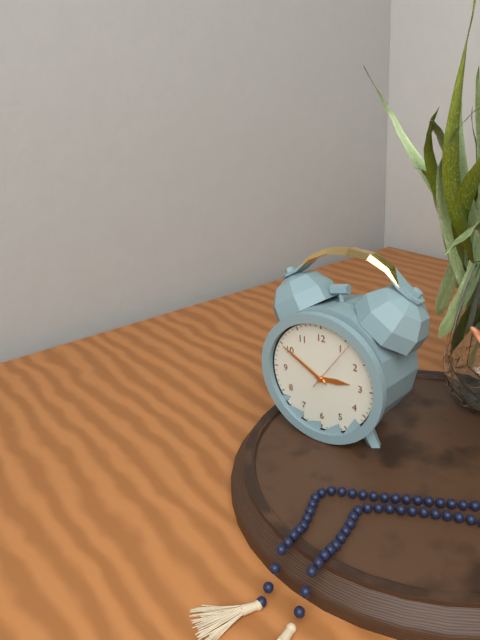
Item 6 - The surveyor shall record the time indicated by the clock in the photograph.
2:50:06
